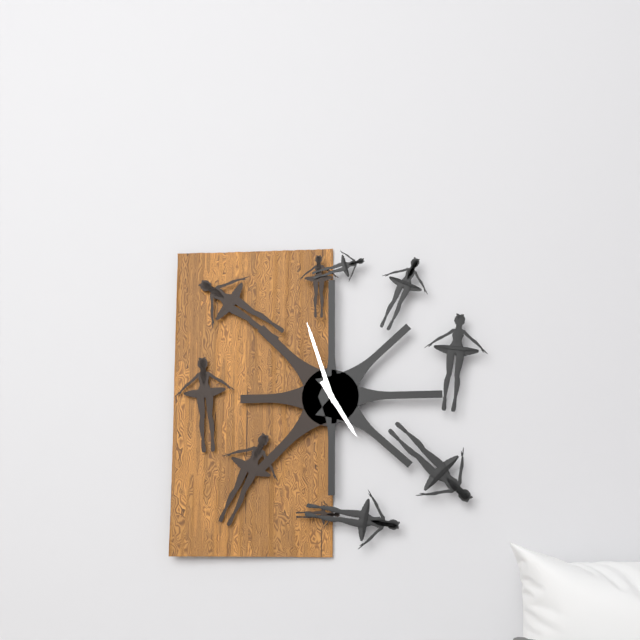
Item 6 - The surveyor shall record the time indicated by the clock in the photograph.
4:57
